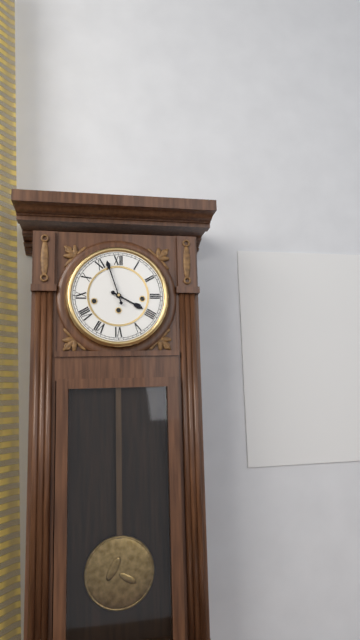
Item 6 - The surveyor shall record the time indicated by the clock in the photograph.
3:57
